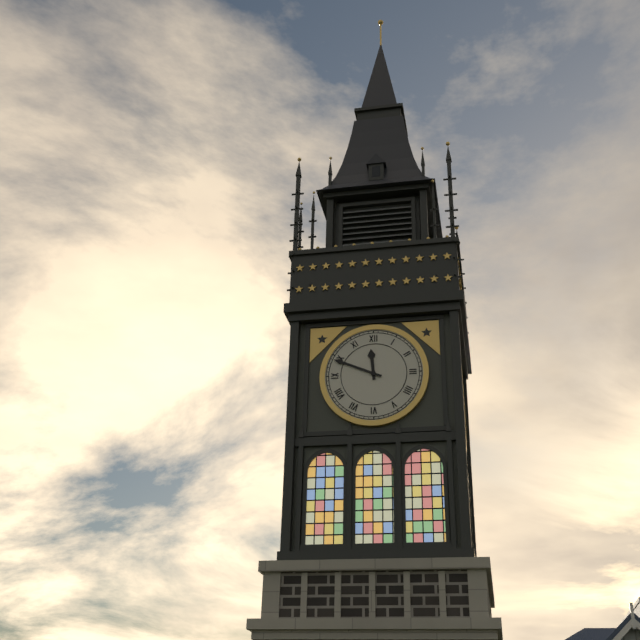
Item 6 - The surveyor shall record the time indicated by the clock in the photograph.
11:49
